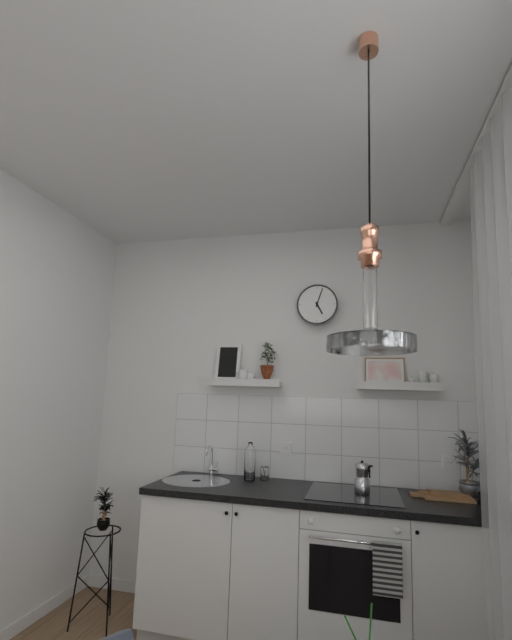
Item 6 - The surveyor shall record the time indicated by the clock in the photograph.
5:03
